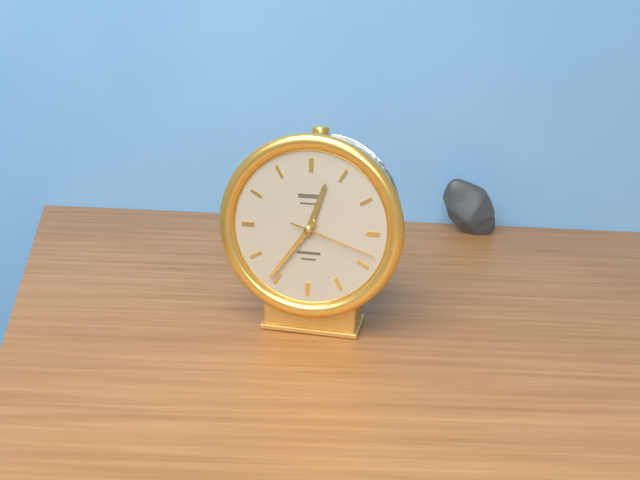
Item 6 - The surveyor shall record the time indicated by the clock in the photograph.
12:36:18
